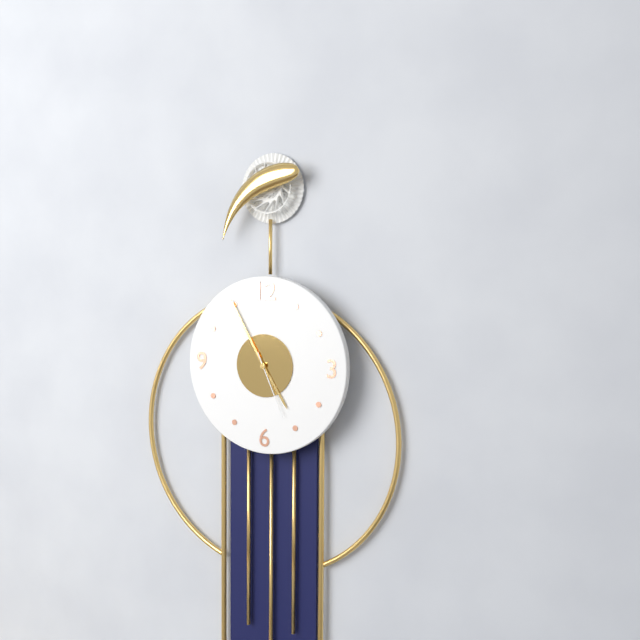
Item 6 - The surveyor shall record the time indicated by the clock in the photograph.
4:55:26
